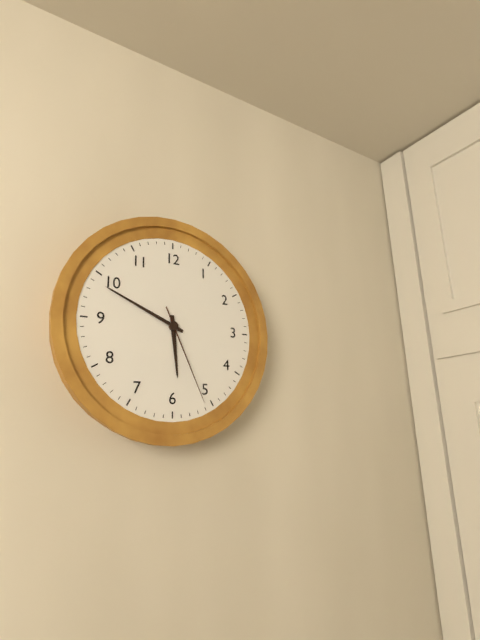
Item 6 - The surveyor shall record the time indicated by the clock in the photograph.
5:49:26
